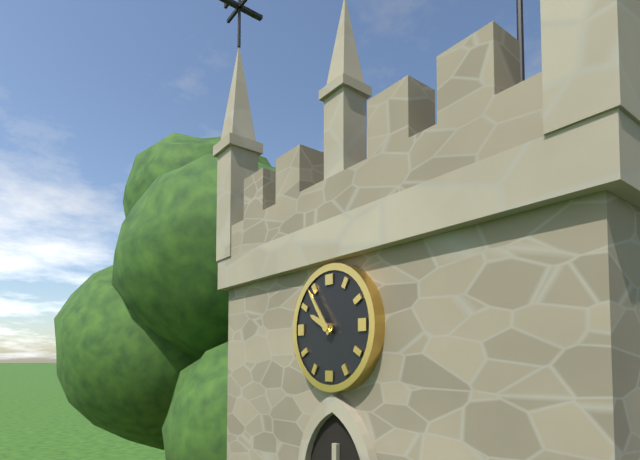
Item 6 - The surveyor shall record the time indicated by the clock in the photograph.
9:54
